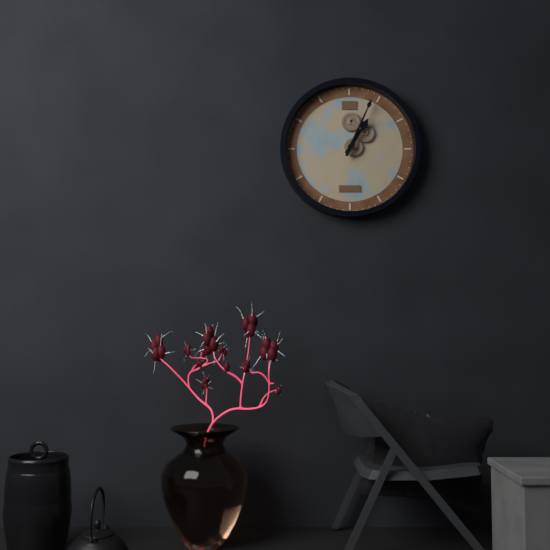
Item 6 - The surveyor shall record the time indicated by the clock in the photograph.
1:04
